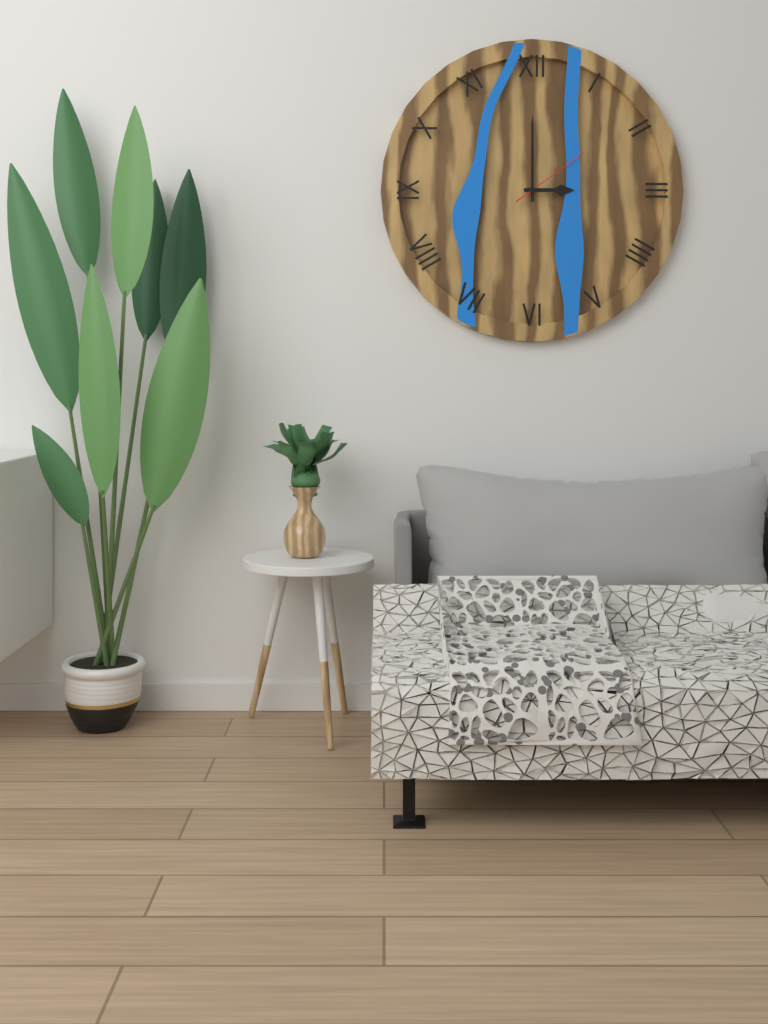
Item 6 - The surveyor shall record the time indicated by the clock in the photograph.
3:00:09
